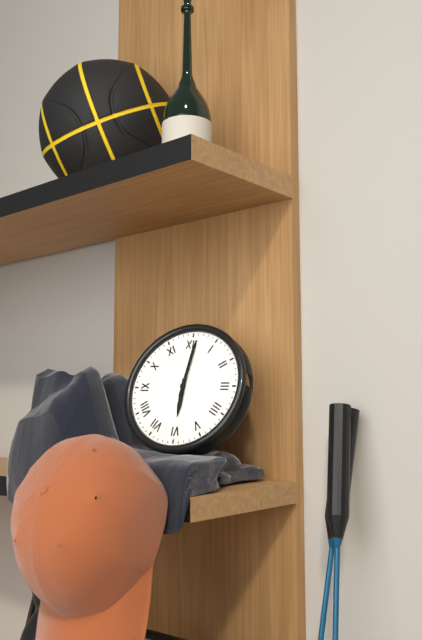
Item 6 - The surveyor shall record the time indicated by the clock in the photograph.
6:01
